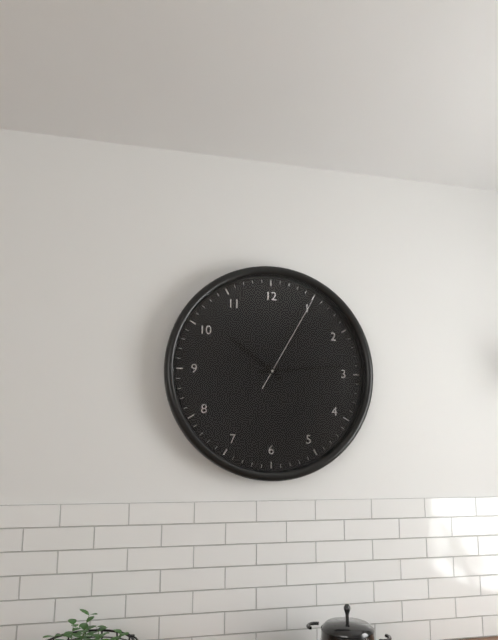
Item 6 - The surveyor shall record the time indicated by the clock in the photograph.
10:14:05
